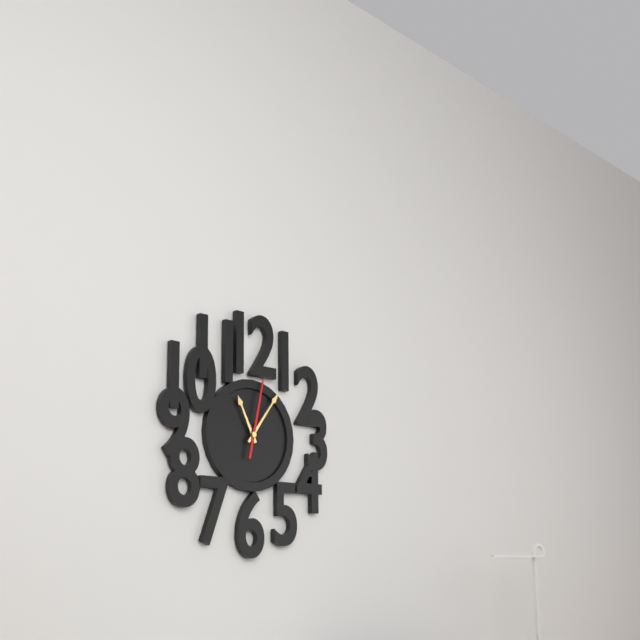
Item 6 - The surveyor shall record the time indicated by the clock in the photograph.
11:06:02
